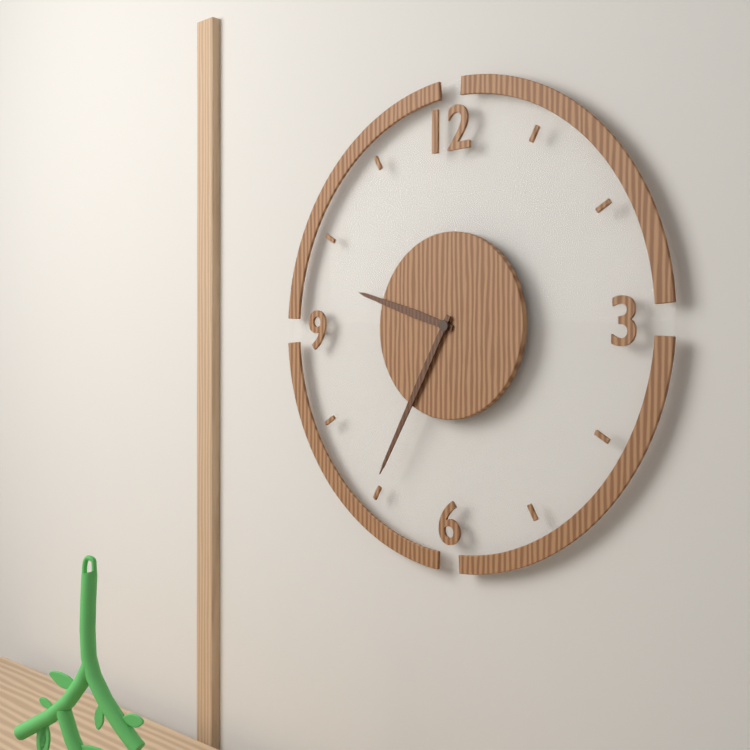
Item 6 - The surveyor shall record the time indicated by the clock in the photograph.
9:35
